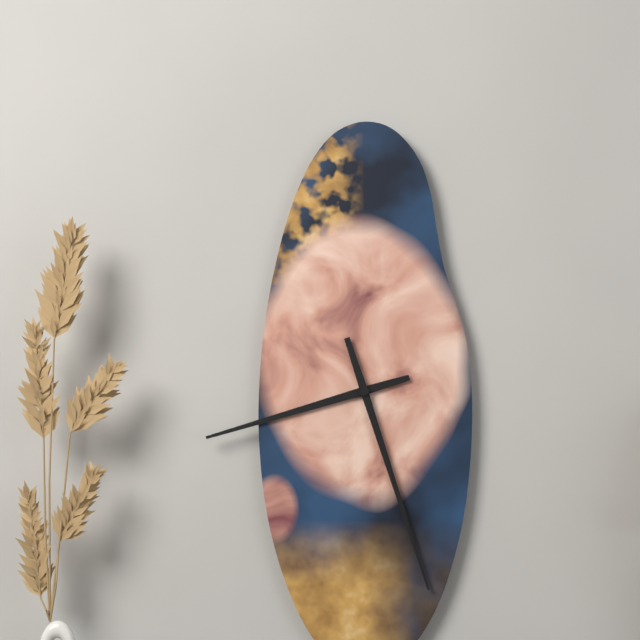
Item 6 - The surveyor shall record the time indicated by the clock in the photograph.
8:27
